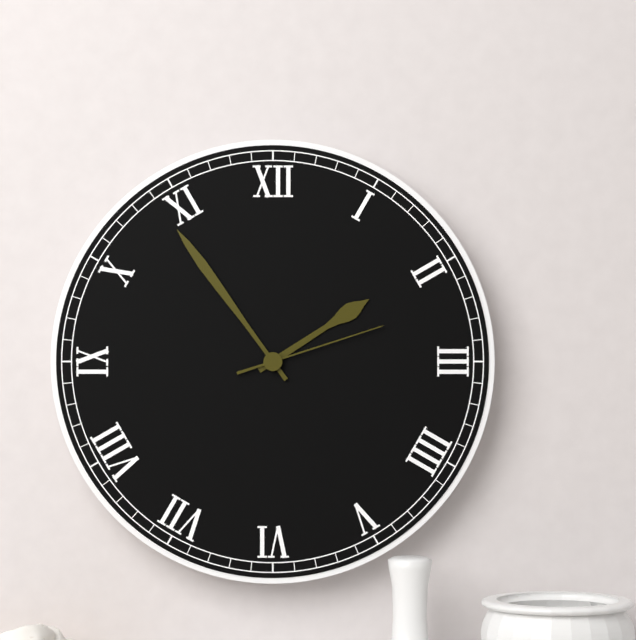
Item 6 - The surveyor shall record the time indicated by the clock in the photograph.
1:54:12
